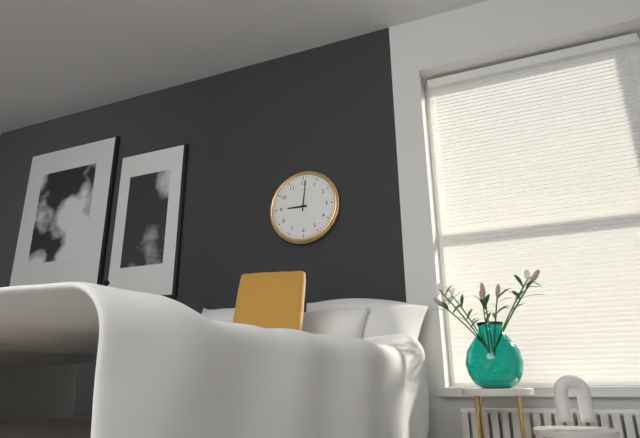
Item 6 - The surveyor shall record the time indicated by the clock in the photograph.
9:01
